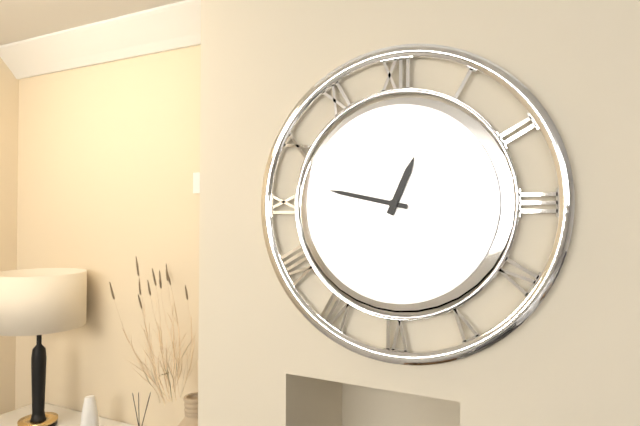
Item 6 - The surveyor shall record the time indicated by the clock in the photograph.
12:47
